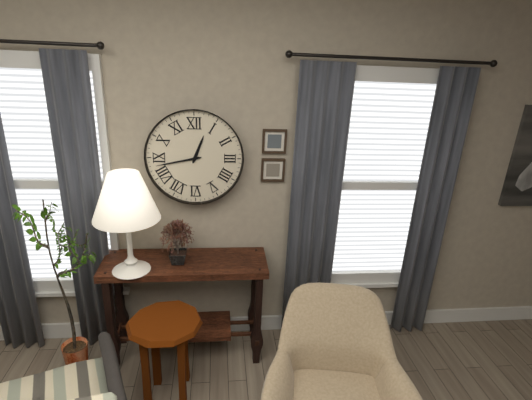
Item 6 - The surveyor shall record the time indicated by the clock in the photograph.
12:43
